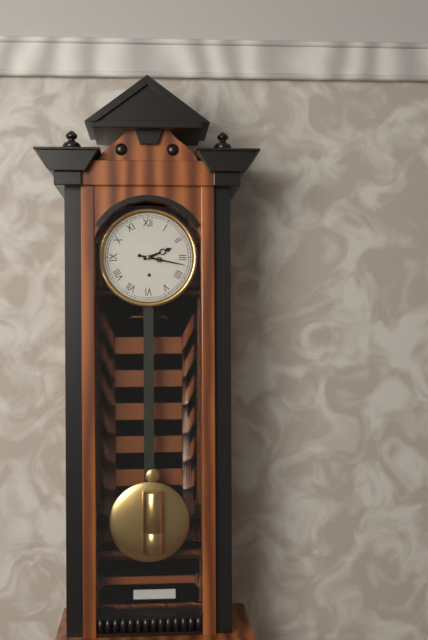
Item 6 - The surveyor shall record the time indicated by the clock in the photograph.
2:17
